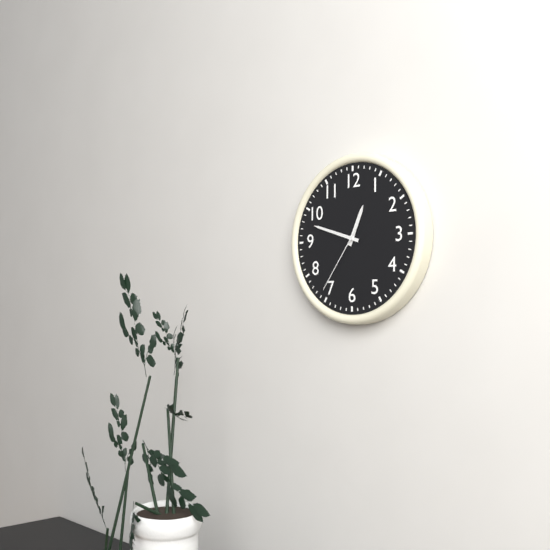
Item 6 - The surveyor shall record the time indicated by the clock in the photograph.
12:48:36
